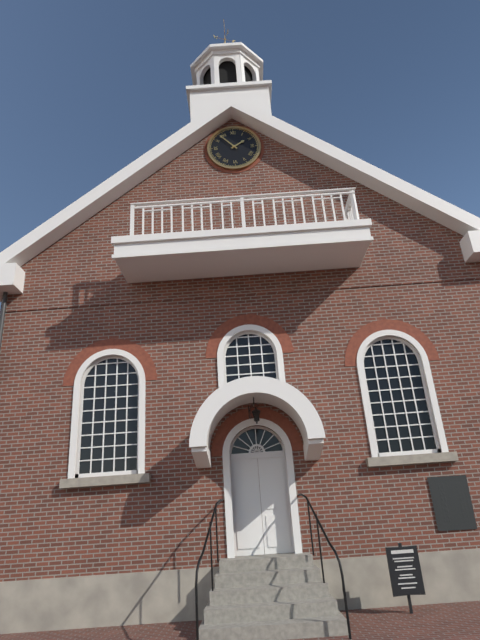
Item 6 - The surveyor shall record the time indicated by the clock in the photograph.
1:53
